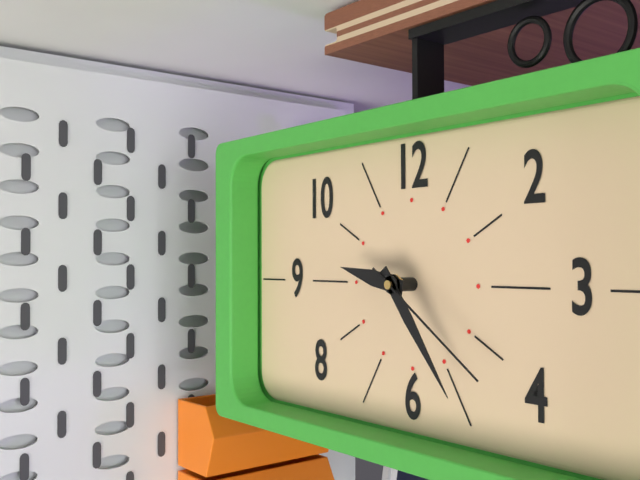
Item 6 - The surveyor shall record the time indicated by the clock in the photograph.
9:24:21
